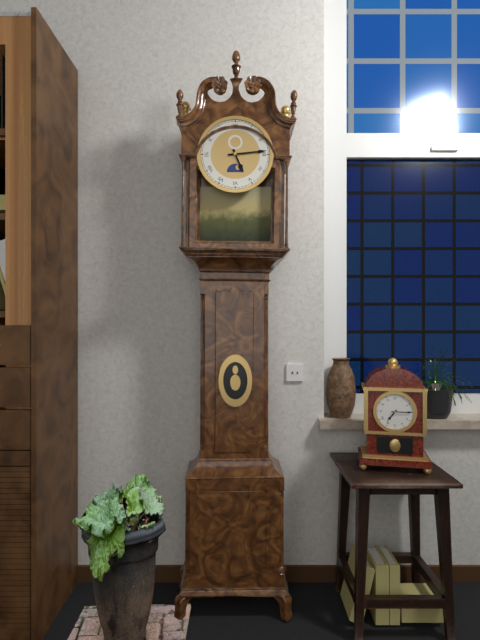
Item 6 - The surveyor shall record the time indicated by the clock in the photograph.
5:14
